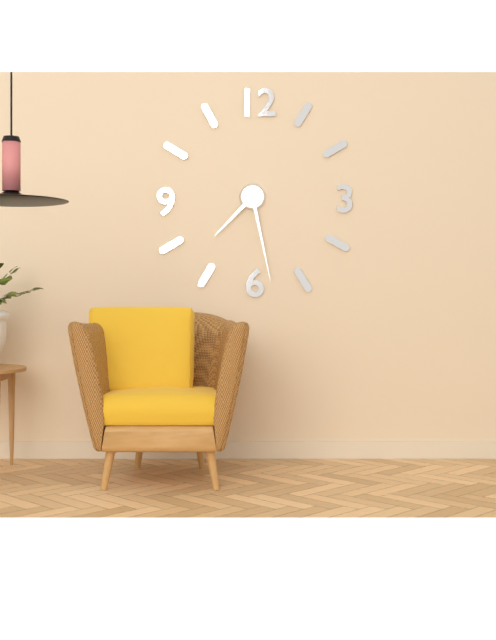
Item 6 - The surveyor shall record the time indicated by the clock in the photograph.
7:28
